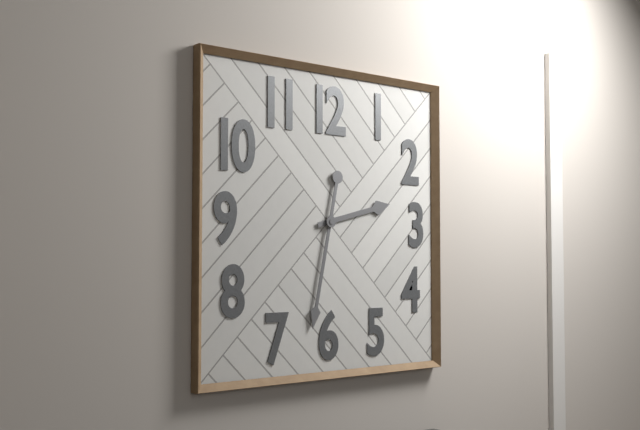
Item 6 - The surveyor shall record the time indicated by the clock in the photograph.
2:32
